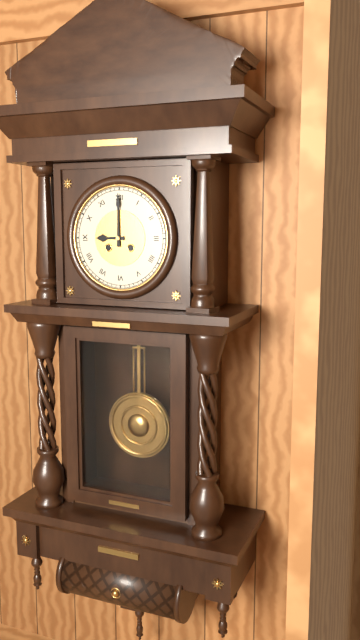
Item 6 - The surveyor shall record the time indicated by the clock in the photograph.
9:00
